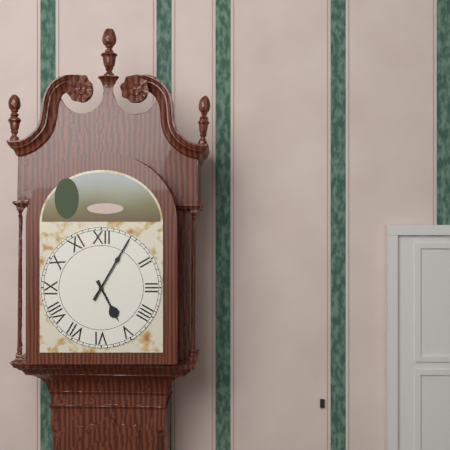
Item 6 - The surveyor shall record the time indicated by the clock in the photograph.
5:05
